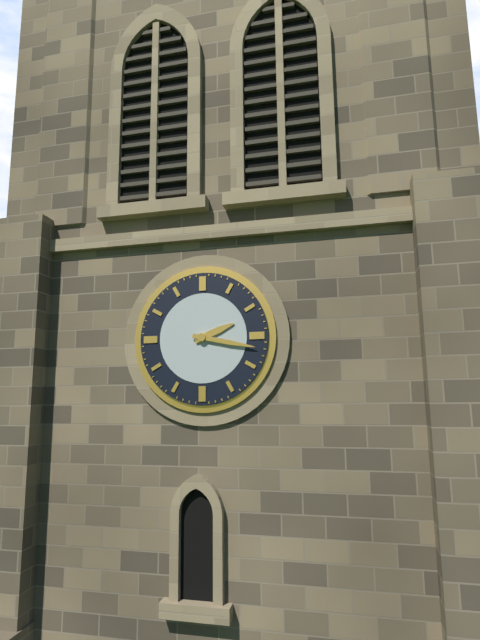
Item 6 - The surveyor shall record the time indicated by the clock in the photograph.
2:17
